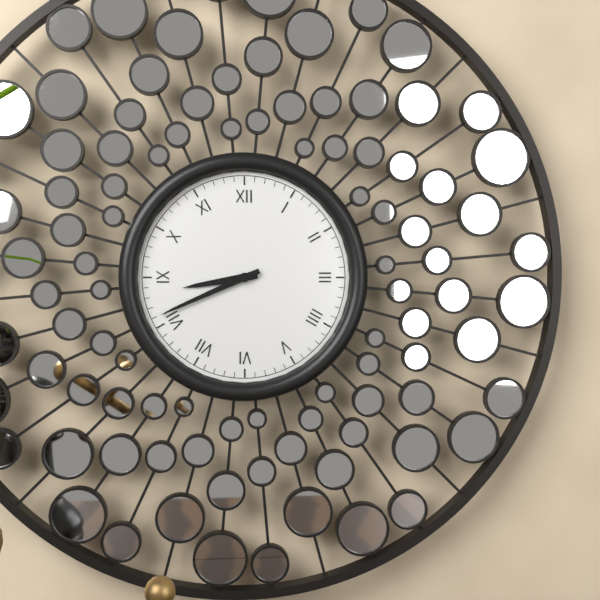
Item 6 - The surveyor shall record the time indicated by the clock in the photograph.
8:41
